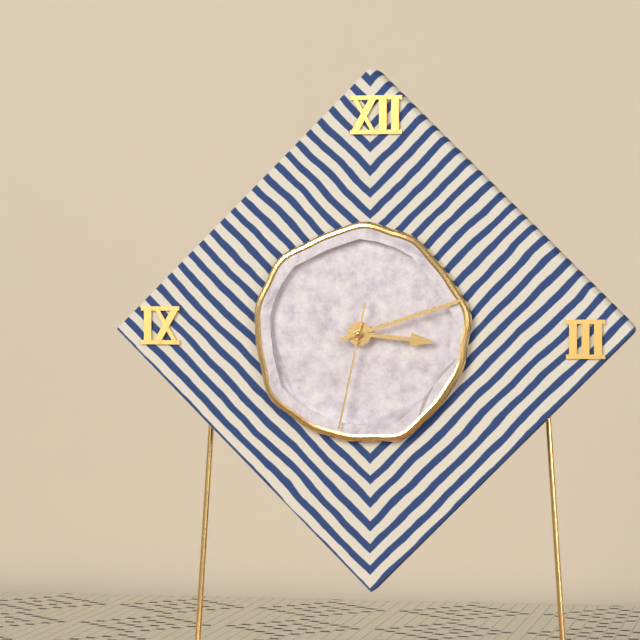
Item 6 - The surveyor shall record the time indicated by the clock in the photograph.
3:12:32
